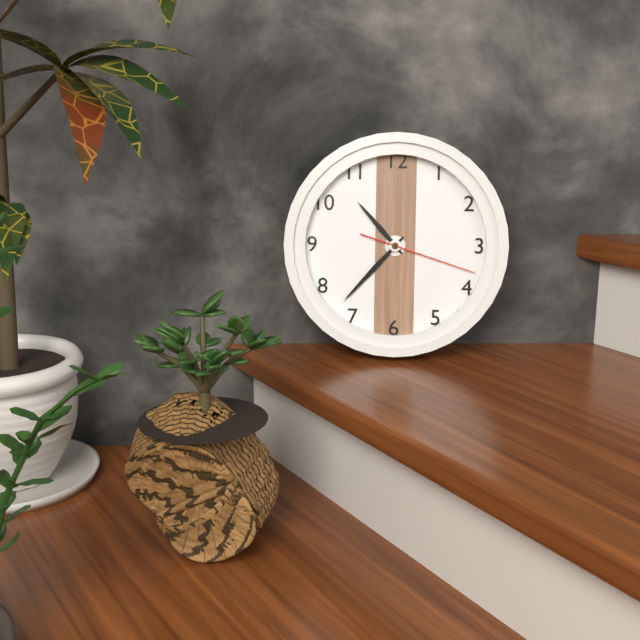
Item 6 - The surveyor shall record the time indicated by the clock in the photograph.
10:37:18
